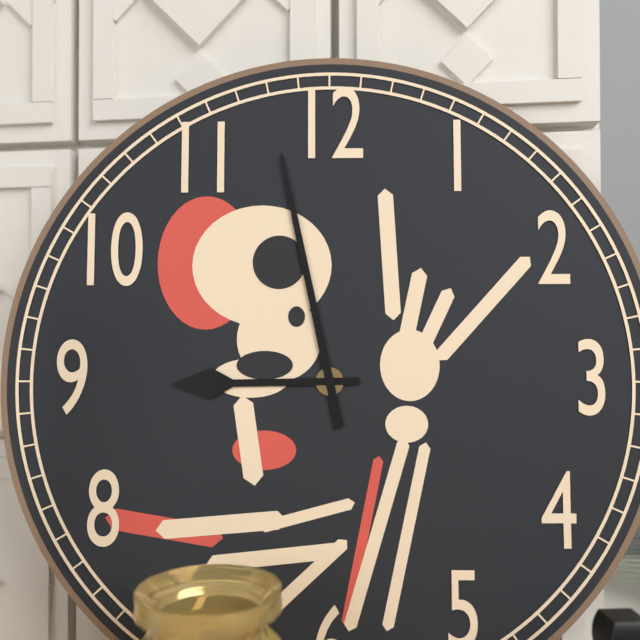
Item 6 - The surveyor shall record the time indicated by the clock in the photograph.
8:58
